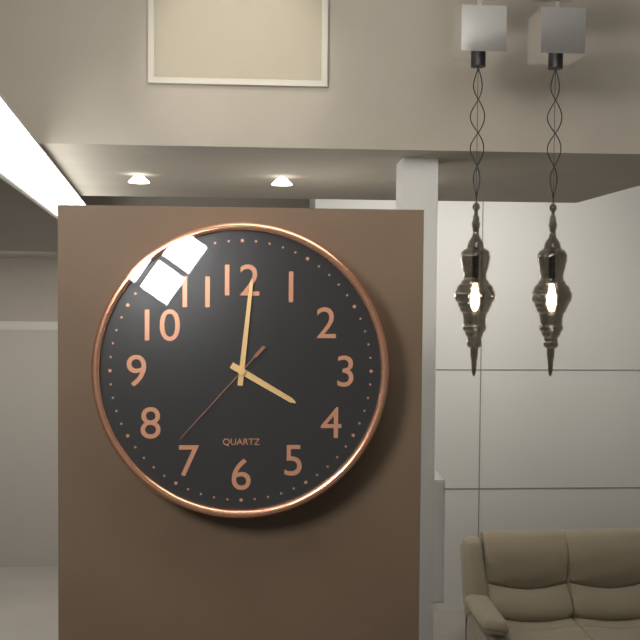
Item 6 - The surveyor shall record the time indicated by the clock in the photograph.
4:01:37
